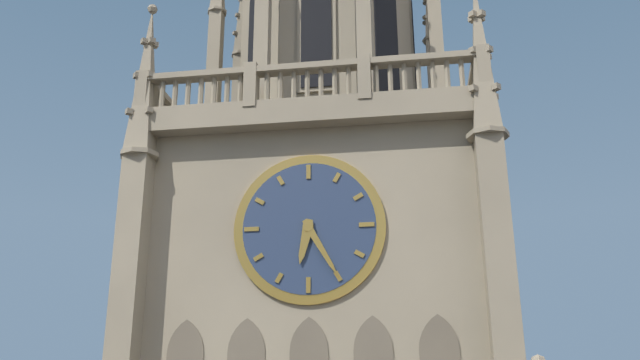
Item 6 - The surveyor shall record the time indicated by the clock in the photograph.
6:25
